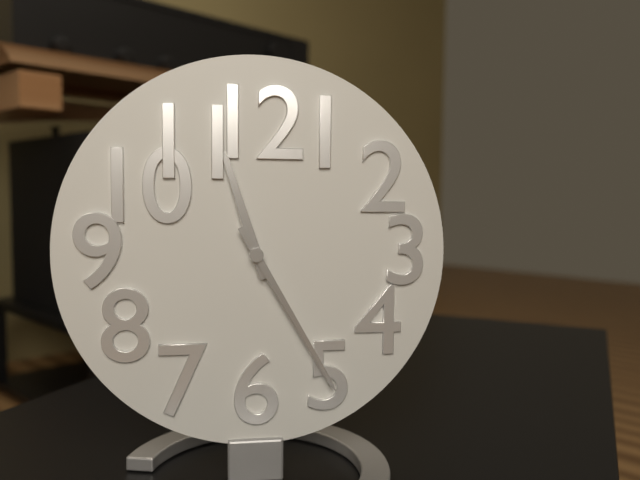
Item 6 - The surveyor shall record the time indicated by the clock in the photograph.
11:25
